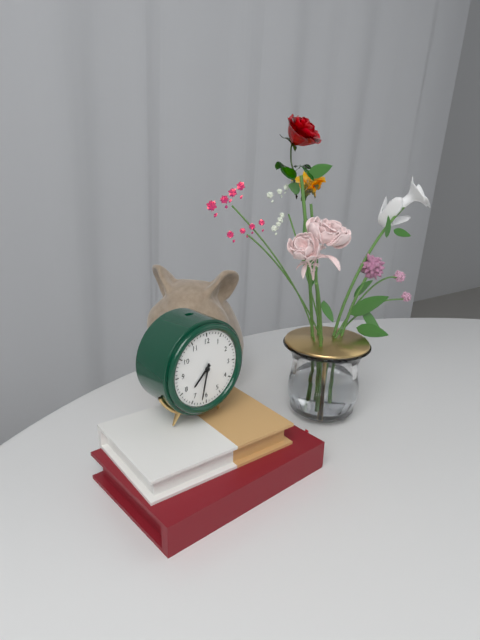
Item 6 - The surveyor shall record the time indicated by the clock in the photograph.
7:32
